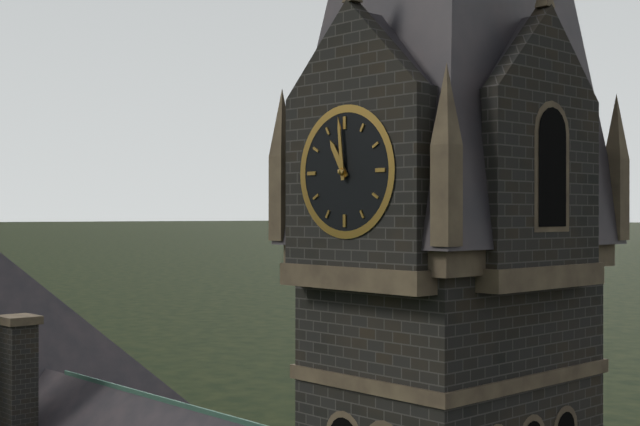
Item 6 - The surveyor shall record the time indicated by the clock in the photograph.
10:59
